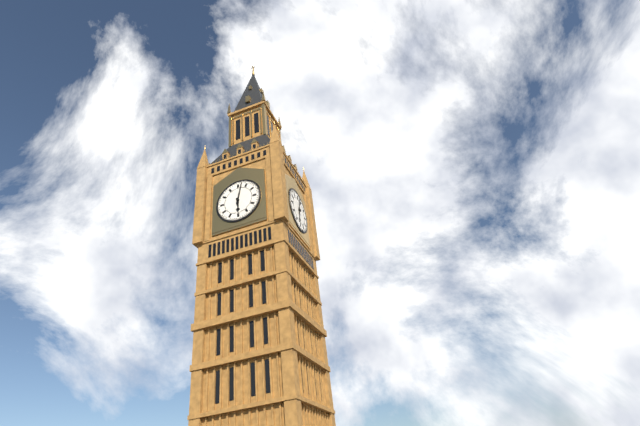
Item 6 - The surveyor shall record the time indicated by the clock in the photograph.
6:02
